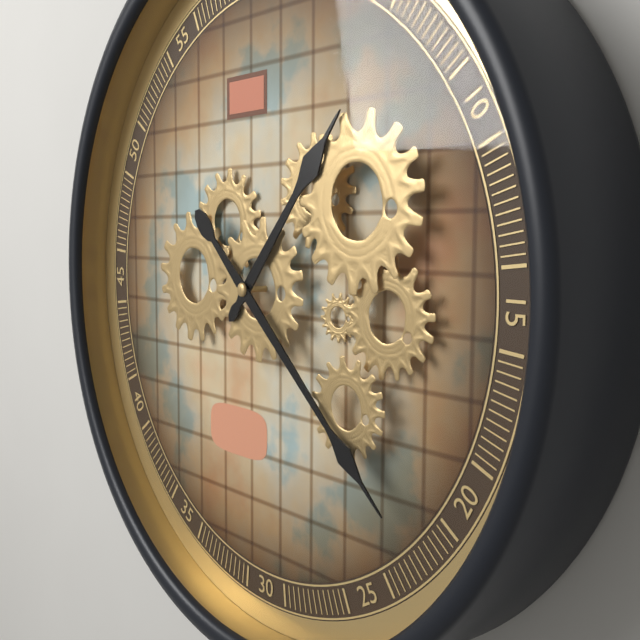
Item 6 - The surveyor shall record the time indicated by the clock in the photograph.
1:22
